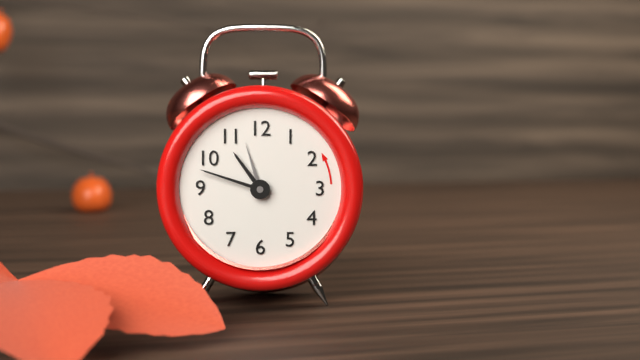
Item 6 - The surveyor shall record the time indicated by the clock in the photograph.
10:48:57
